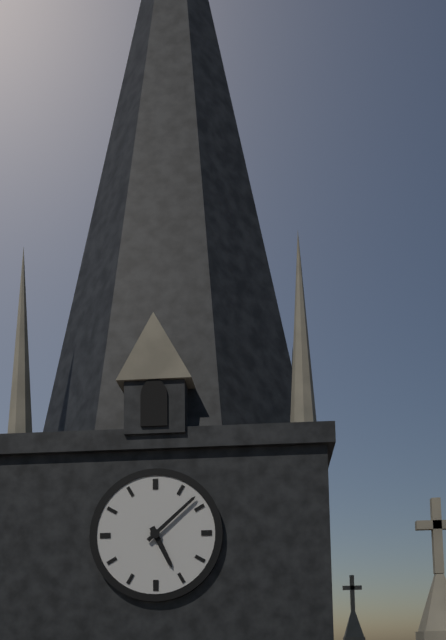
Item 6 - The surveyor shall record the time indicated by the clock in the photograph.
5:08
